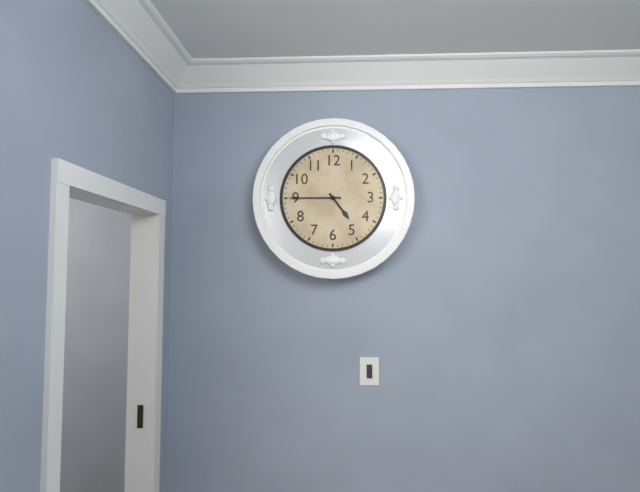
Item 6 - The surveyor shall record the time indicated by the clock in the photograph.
4:45
